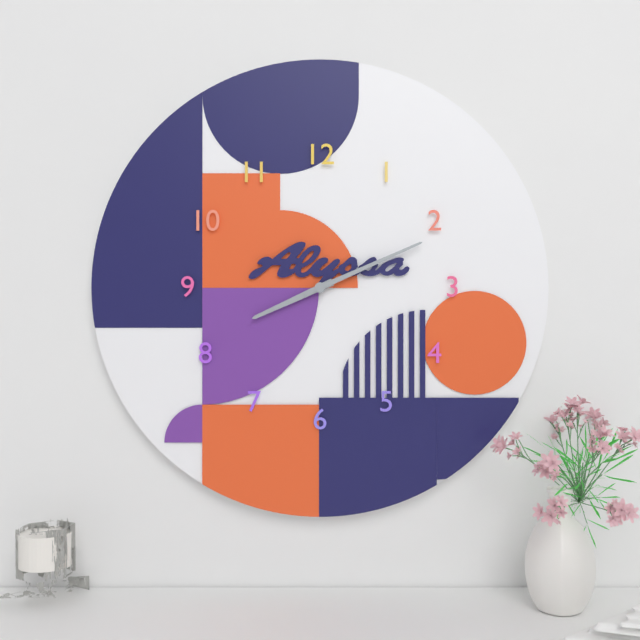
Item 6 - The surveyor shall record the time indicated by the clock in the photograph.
8:11
